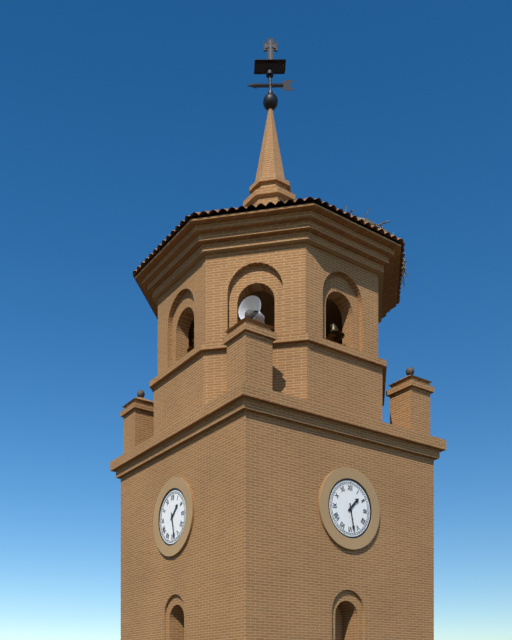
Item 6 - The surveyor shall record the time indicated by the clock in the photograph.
1:28
